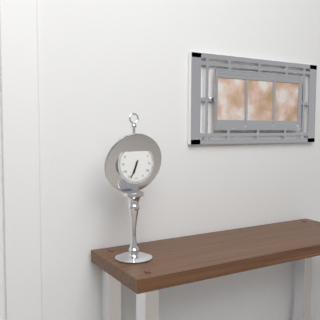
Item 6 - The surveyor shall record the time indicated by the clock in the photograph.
6:34
